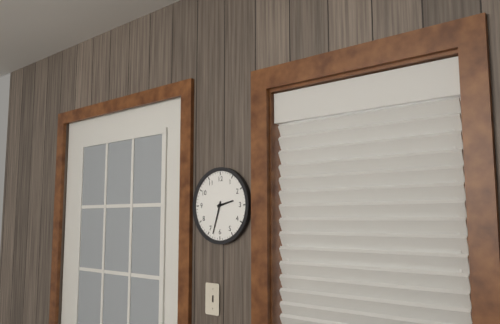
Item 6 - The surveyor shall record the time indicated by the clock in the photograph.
2:33
